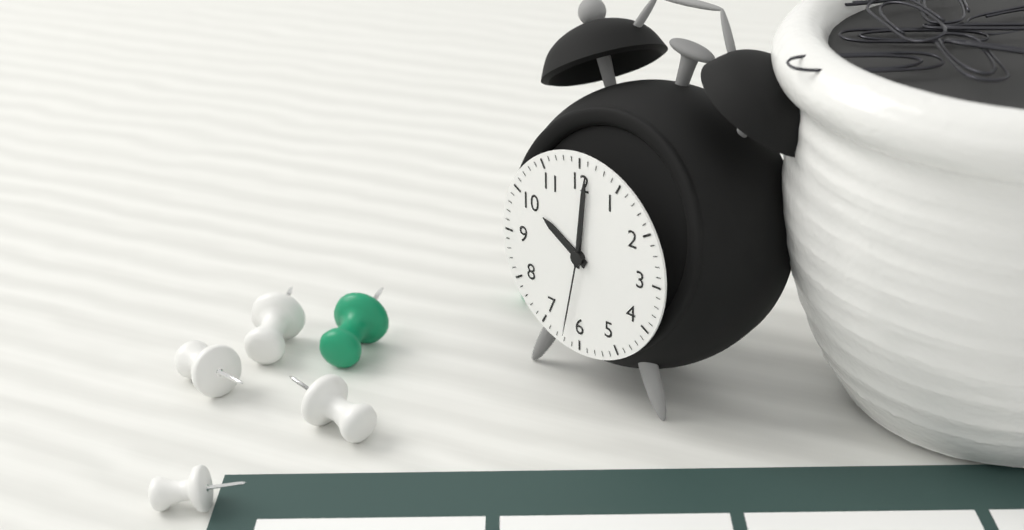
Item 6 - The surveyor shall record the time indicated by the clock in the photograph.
10:01:32
